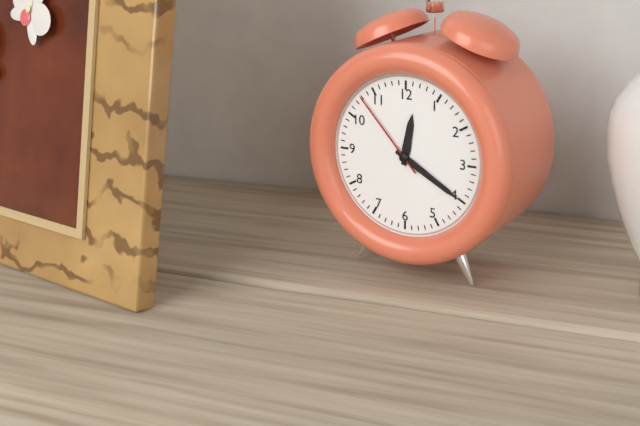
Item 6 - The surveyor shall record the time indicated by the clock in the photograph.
12:20:53
